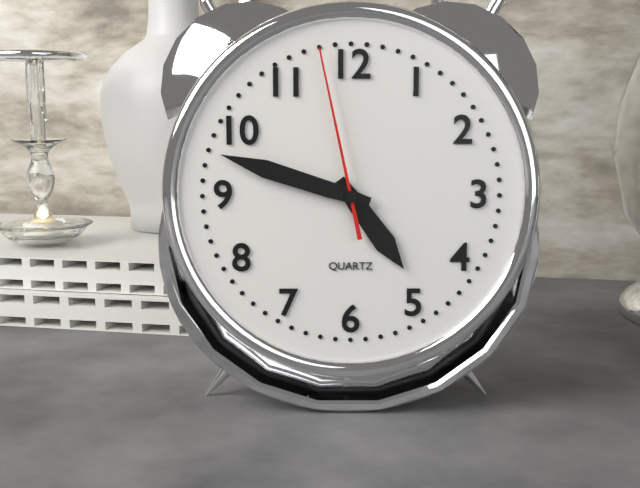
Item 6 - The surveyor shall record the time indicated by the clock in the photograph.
4:48:58
